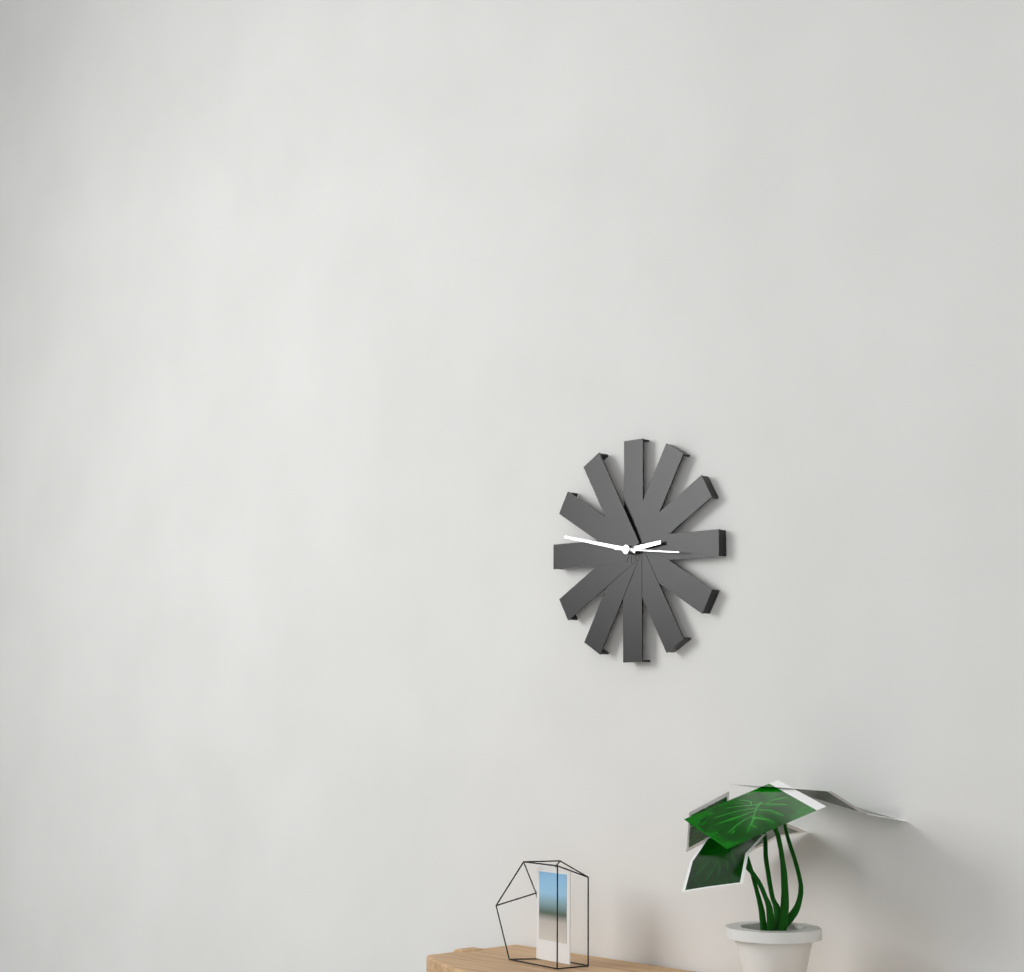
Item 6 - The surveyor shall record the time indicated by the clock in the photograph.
2:47:16
